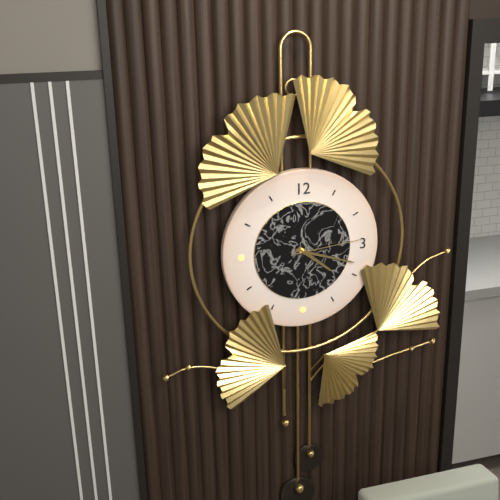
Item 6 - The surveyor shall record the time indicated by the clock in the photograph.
4:18:14
